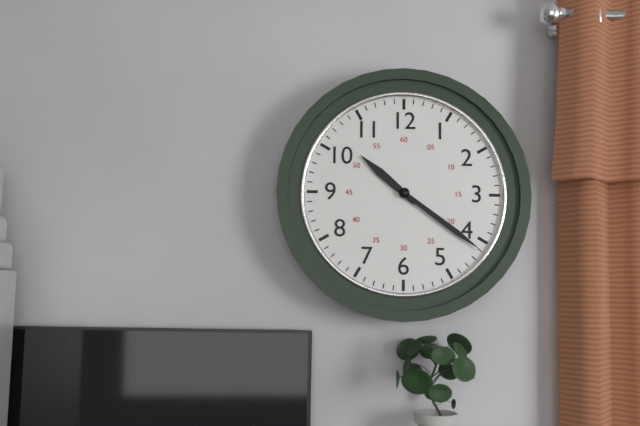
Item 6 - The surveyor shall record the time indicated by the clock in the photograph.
10:21
